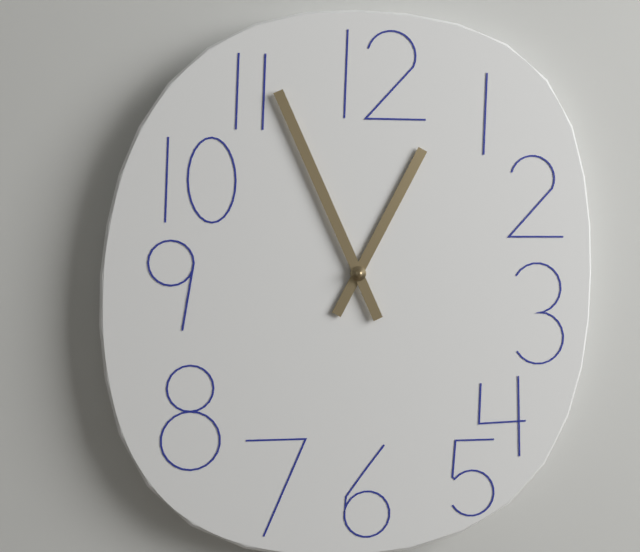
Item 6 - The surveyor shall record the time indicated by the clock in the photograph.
12:56
